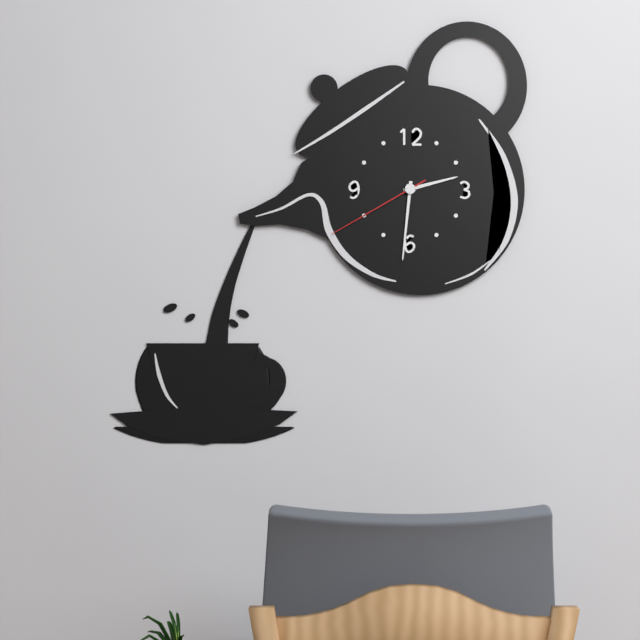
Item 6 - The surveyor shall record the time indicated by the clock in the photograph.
2:31:40
